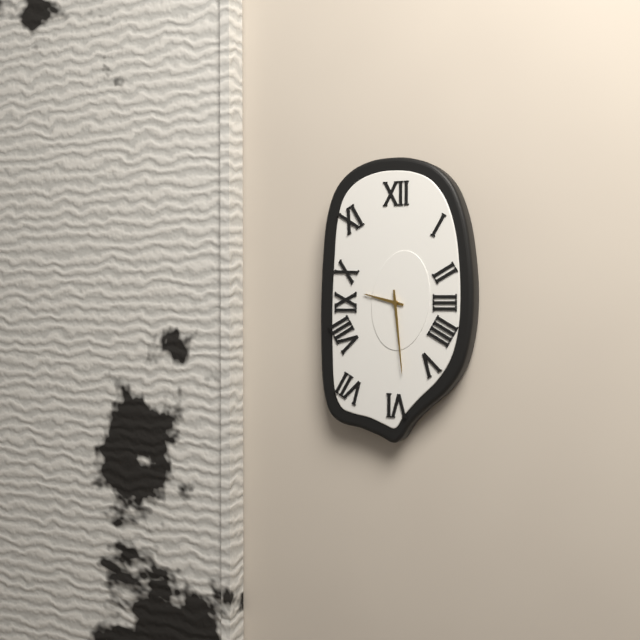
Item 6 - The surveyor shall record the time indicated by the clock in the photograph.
9:29
